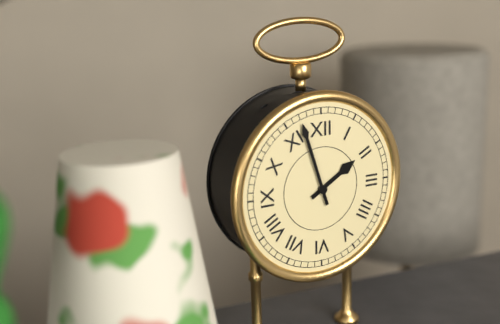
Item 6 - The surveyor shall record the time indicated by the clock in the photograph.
1:57
